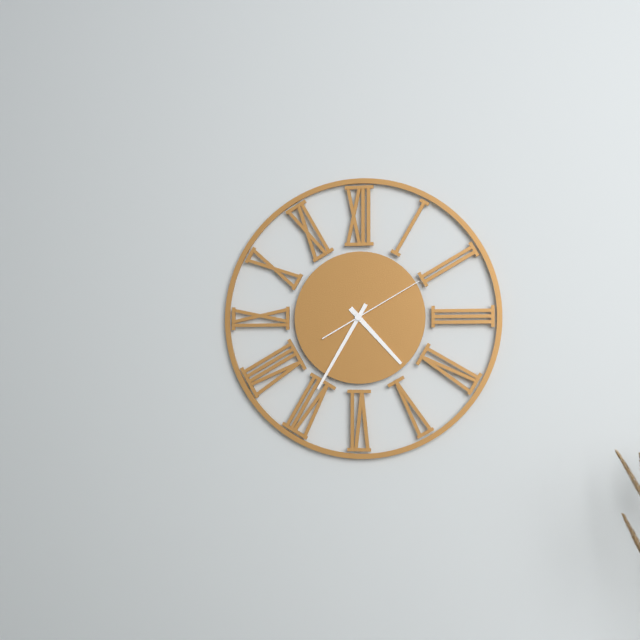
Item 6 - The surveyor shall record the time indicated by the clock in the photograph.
4:35:10
